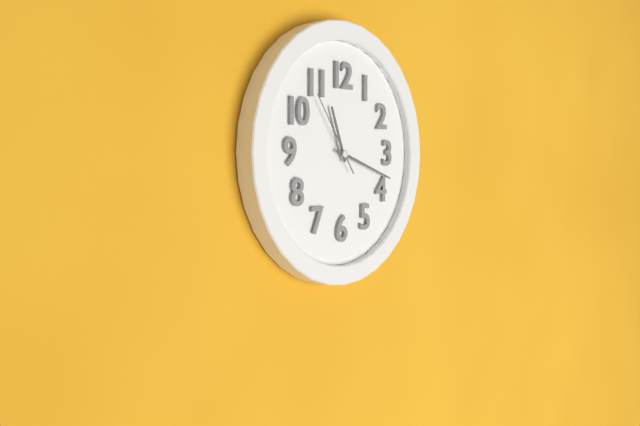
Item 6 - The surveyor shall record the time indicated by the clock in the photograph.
11:18:54
